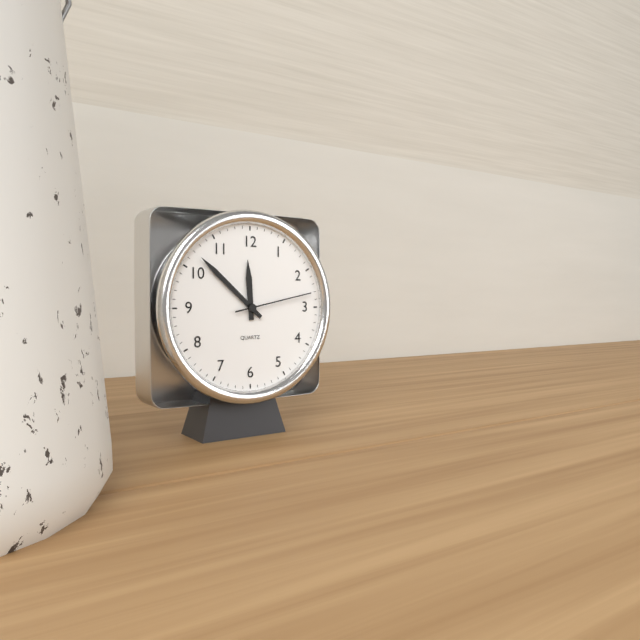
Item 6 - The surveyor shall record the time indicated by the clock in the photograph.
11:52:13
